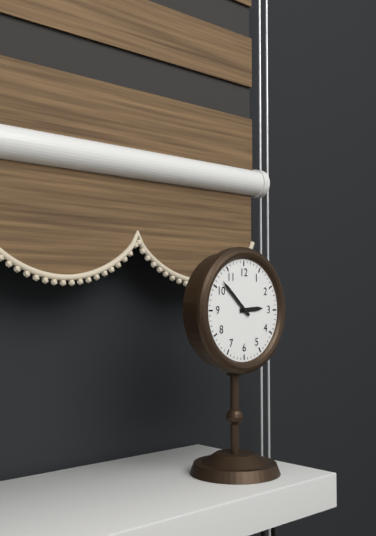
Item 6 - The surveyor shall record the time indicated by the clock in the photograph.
2:52
